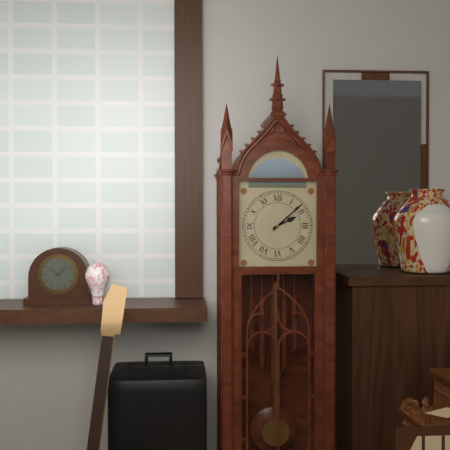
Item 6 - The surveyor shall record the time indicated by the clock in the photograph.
2:08
